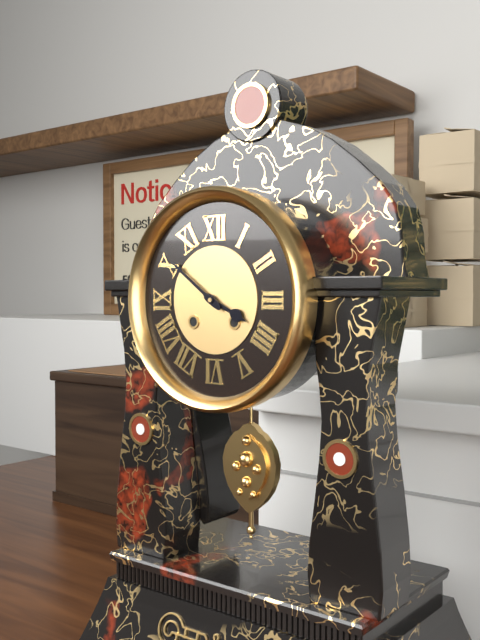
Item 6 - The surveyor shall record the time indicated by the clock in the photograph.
3:51
